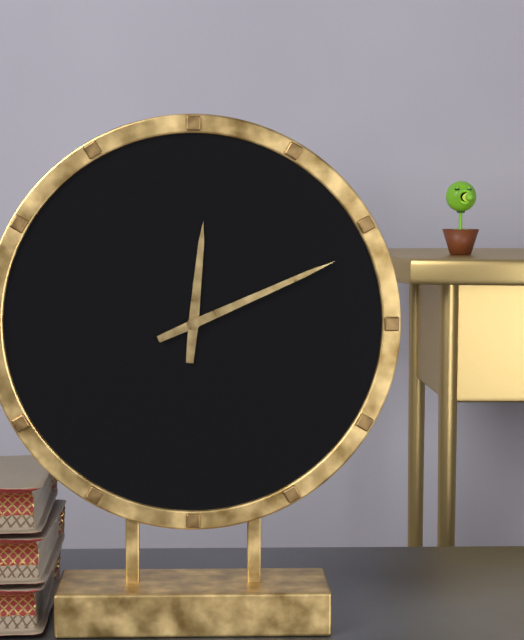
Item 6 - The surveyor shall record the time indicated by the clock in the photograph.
12:11
